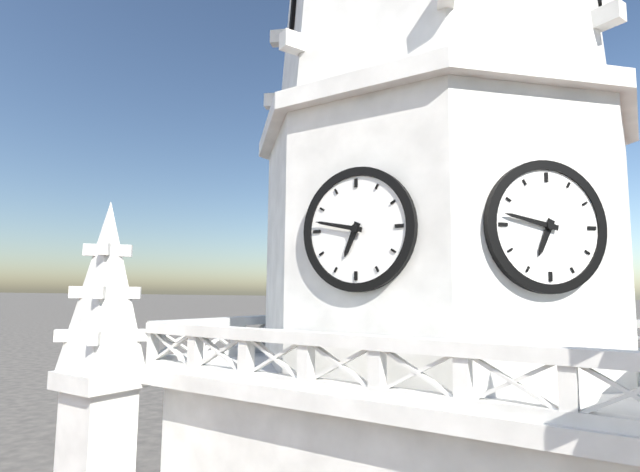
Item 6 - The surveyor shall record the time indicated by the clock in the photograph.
6:47
